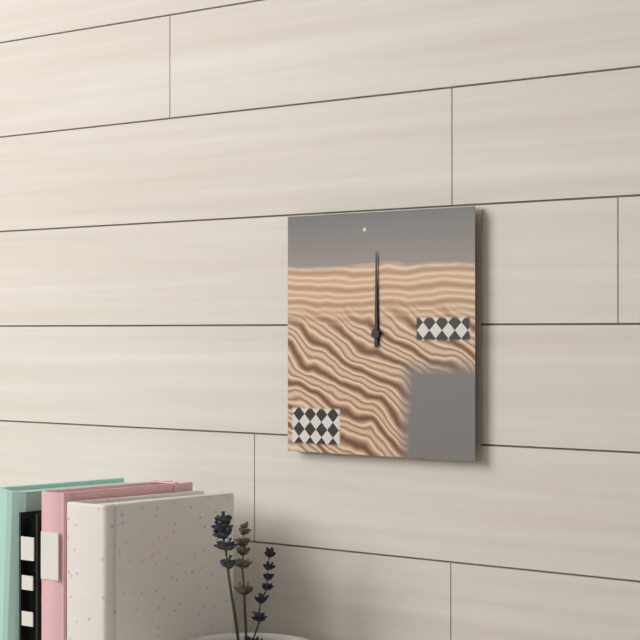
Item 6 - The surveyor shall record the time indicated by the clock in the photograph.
12:00
